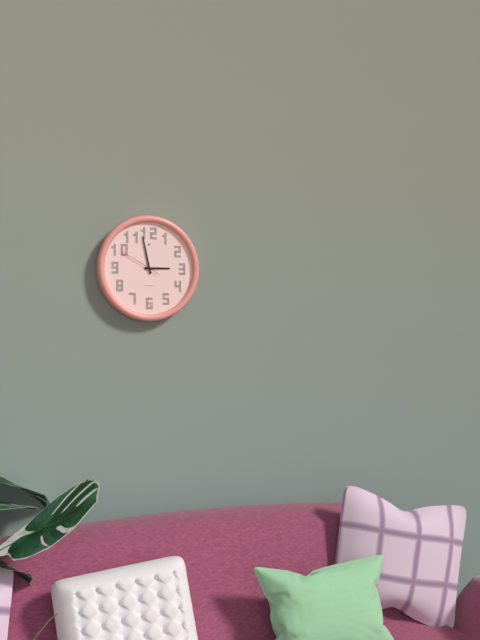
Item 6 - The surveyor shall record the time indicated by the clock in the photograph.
2:58
